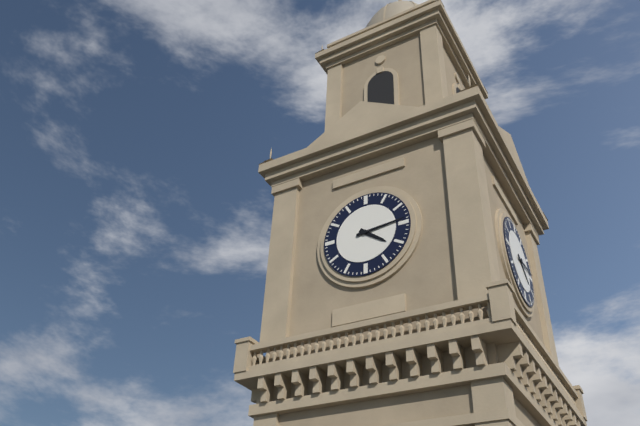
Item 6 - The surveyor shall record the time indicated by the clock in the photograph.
4:14
